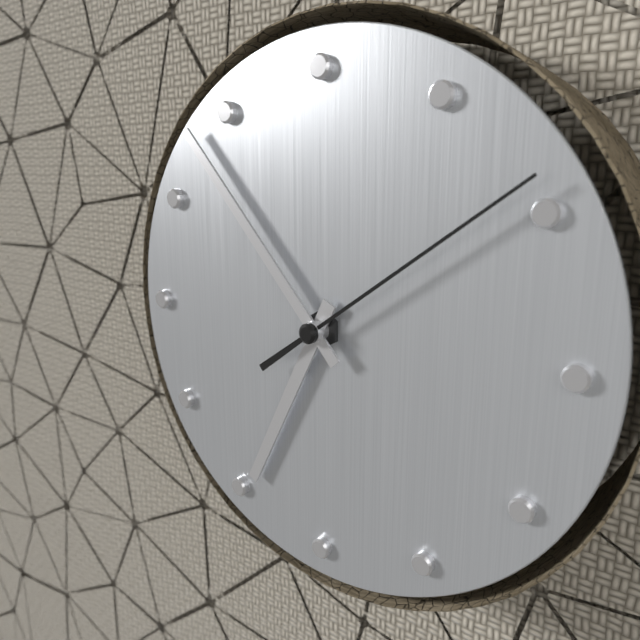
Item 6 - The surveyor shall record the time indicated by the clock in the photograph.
6:53:09
